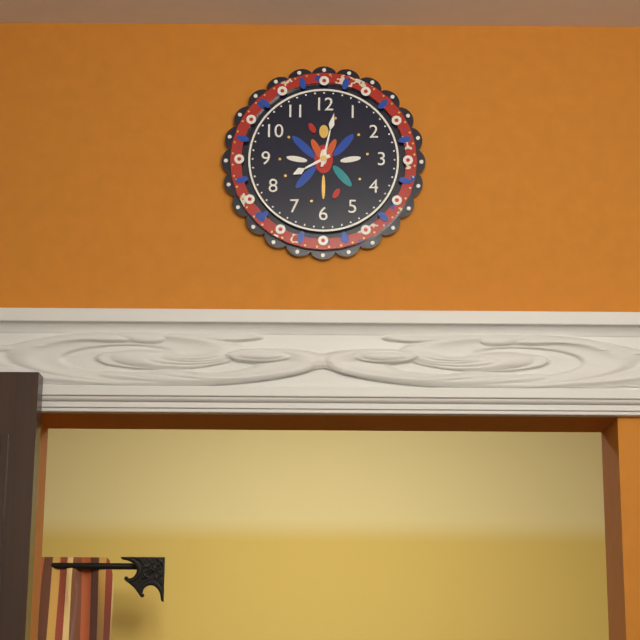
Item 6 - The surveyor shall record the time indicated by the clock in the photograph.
8:02
